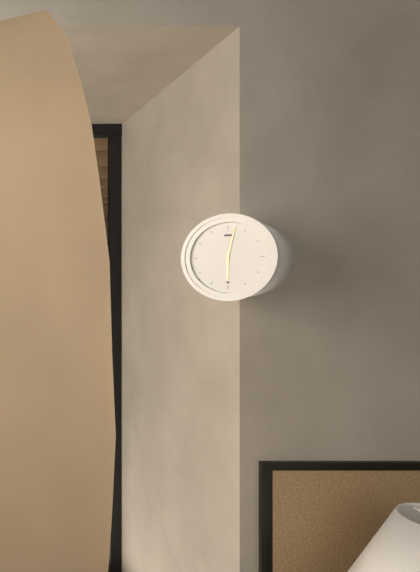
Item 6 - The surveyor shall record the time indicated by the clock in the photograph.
6:02
